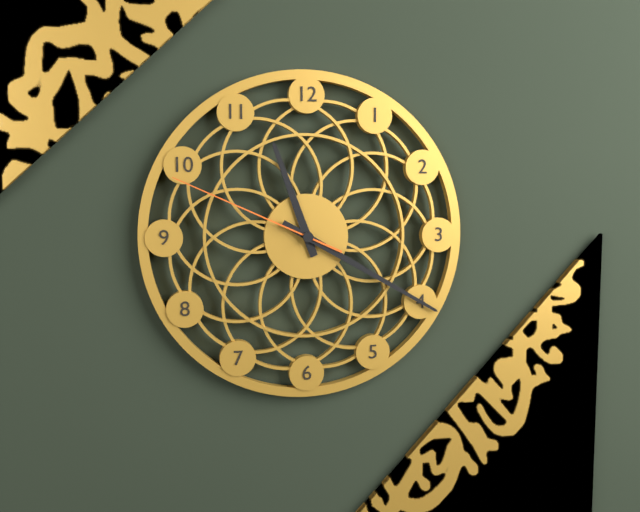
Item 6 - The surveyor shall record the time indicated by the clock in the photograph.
11:20:49
